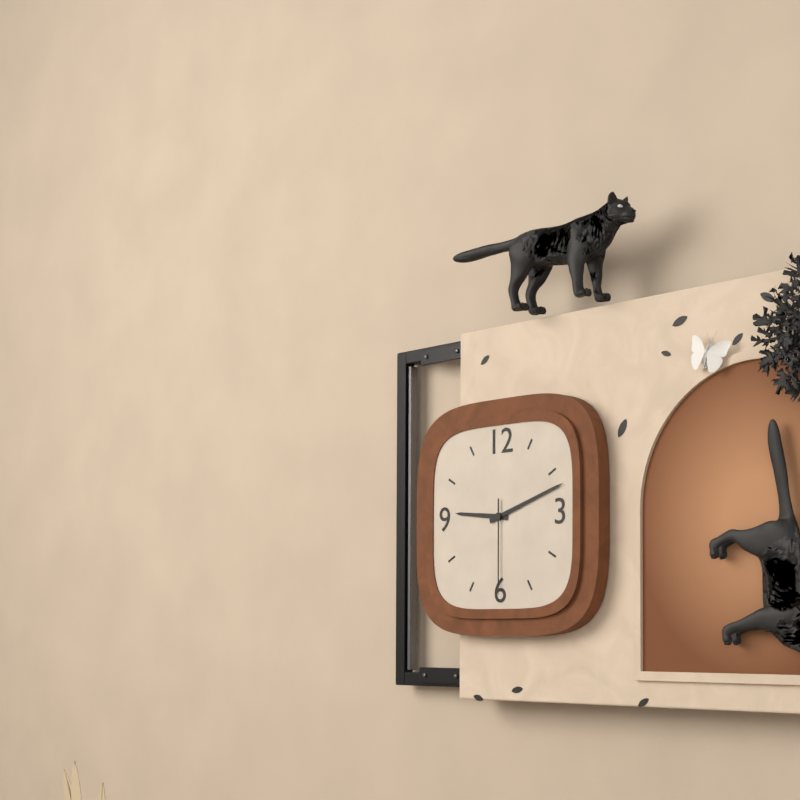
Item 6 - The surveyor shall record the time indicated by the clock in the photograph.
9:12:30
